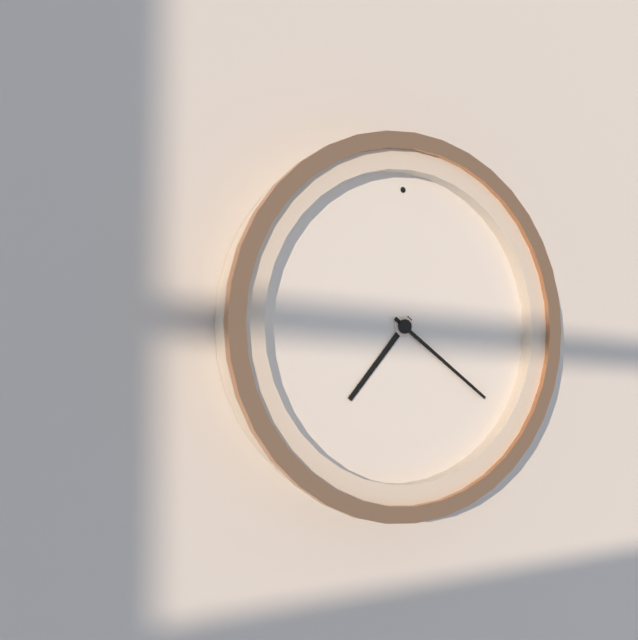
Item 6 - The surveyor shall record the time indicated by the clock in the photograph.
7:21
